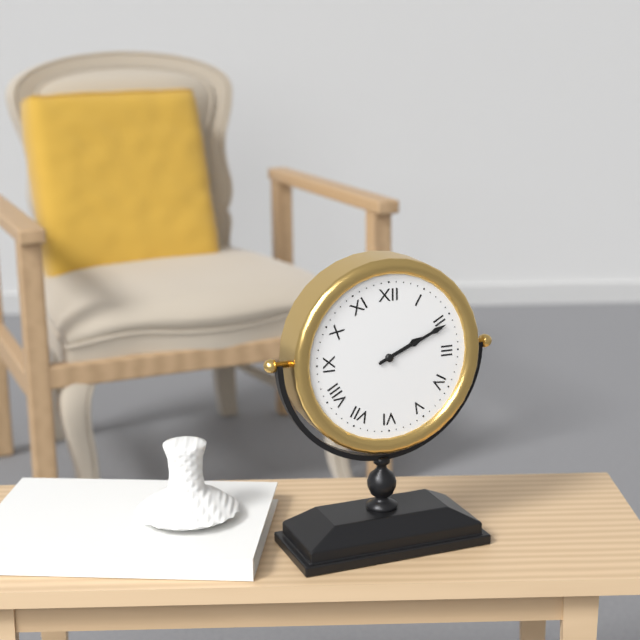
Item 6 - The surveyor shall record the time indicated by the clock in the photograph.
2:11
